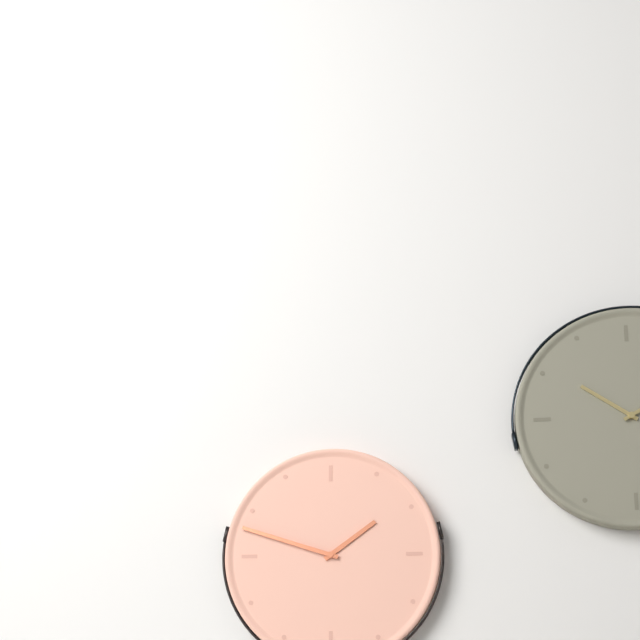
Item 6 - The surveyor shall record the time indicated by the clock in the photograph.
1:48
